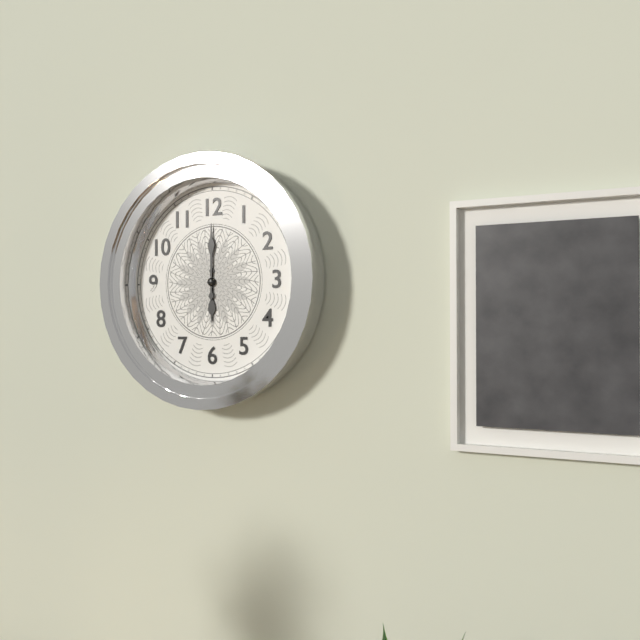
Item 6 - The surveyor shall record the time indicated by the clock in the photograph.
6:00
